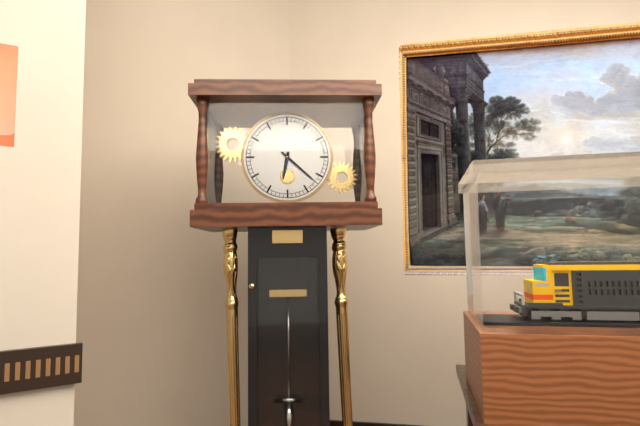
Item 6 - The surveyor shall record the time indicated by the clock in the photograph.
6:22
